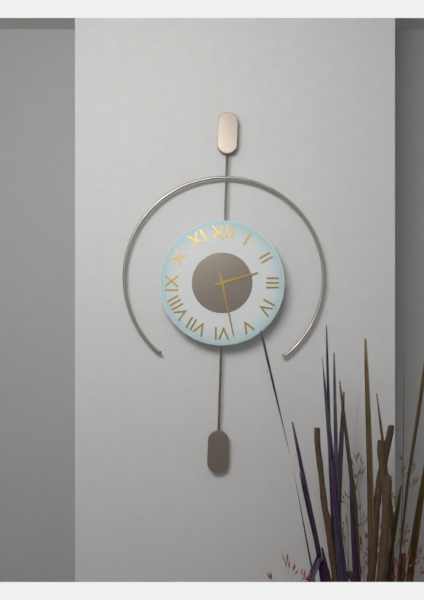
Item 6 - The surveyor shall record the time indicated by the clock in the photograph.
2:28
